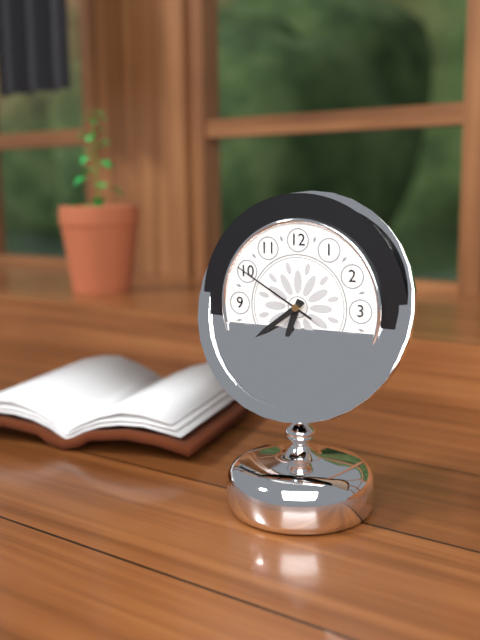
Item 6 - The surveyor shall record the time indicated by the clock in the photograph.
6:39:50
